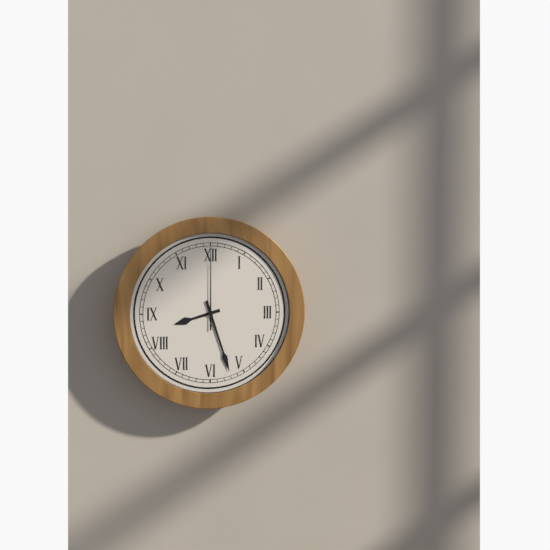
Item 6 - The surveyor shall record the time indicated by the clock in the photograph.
8:27:00
